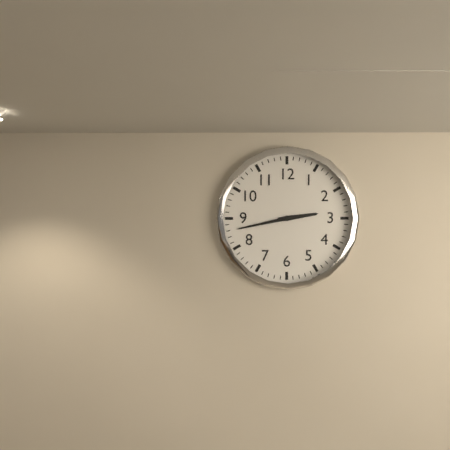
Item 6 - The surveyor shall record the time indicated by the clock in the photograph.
2:43
